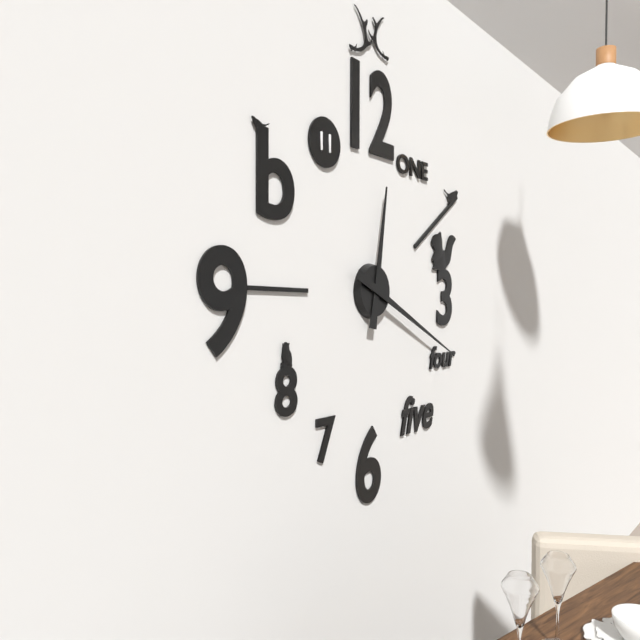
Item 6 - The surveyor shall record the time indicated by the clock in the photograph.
12:19
